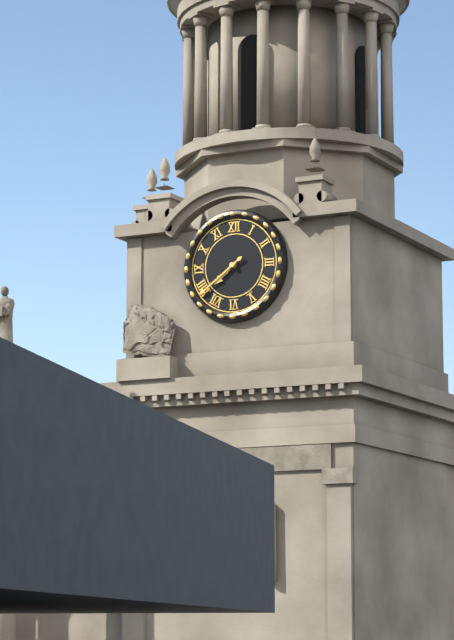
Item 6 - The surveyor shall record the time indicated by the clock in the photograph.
7:39
